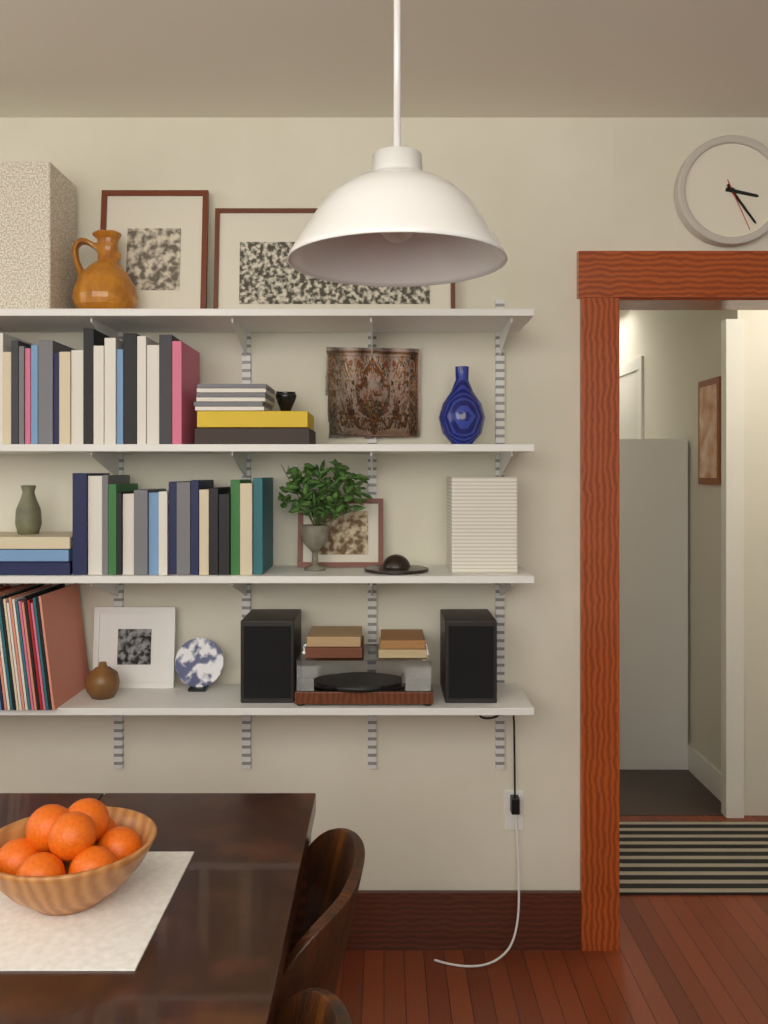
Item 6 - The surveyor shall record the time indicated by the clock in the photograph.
3:24:26
